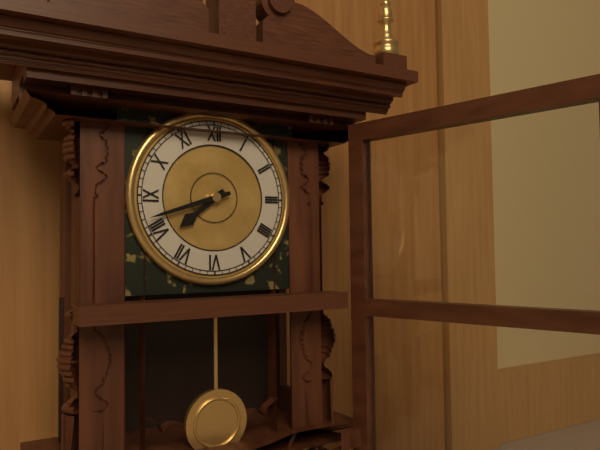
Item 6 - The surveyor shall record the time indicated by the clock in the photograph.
7:42
